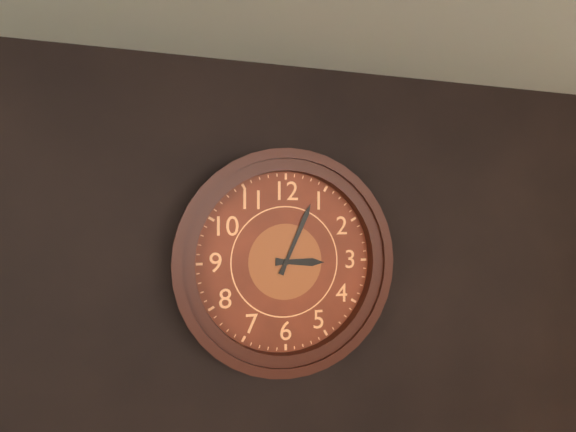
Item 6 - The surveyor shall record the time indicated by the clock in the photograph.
3:04
